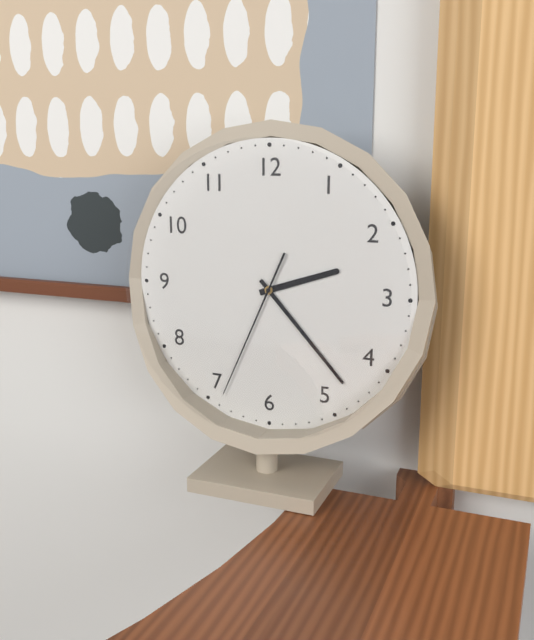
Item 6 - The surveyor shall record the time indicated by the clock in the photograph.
2:23:34
